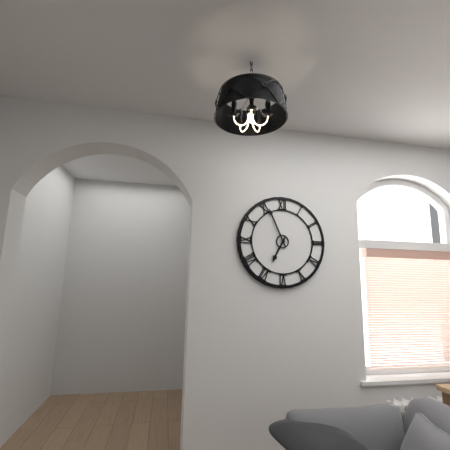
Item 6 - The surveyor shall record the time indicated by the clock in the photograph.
6:56
